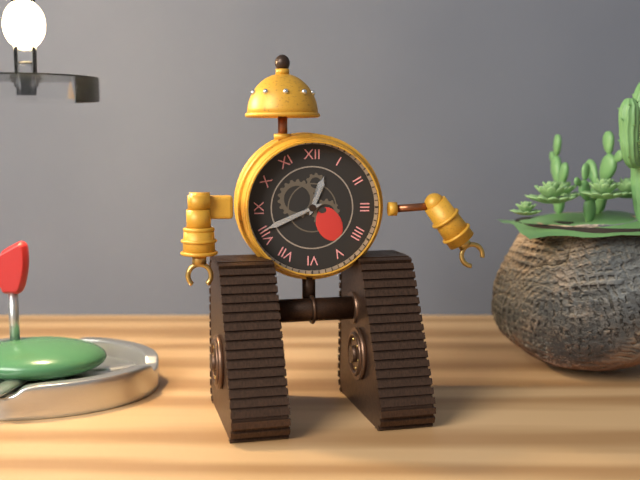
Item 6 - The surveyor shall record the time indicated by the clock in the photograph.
12:41
